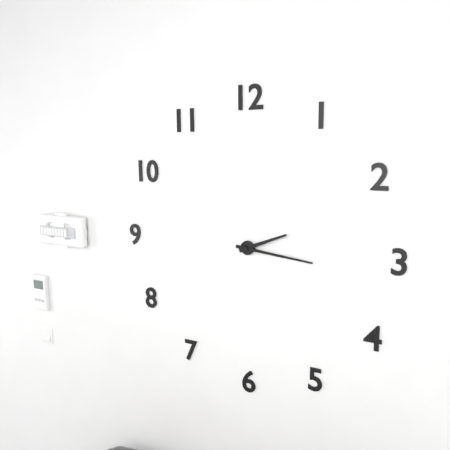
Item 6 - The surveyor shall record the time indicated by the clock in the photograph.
2:16
